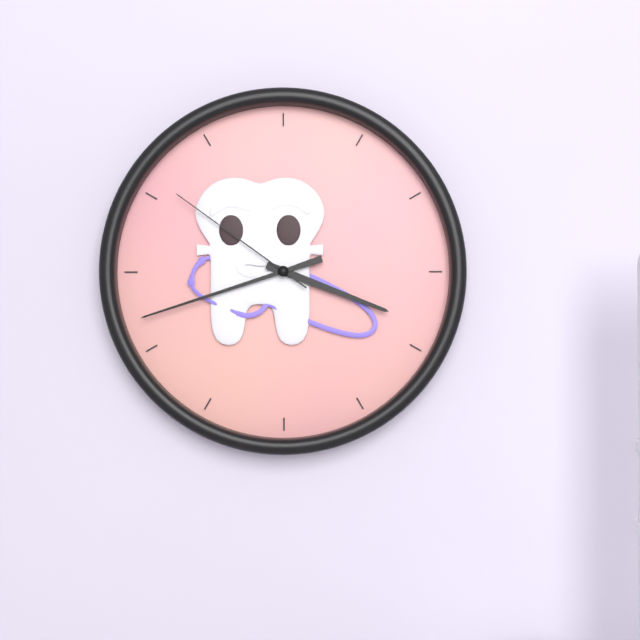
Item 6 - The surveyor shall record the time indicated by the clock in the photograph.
3:42:51
